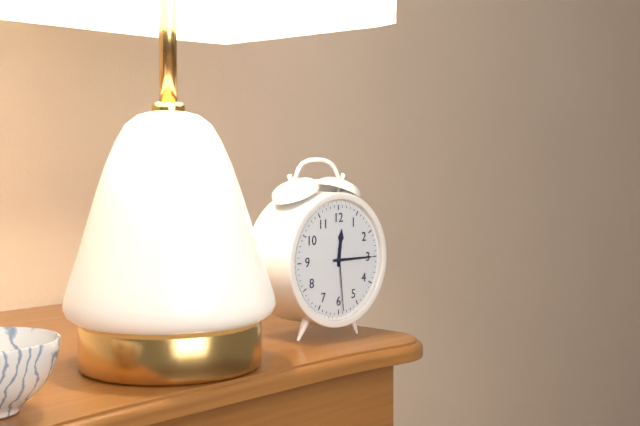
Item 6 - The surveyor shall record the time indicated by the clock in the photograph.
12:15:29
